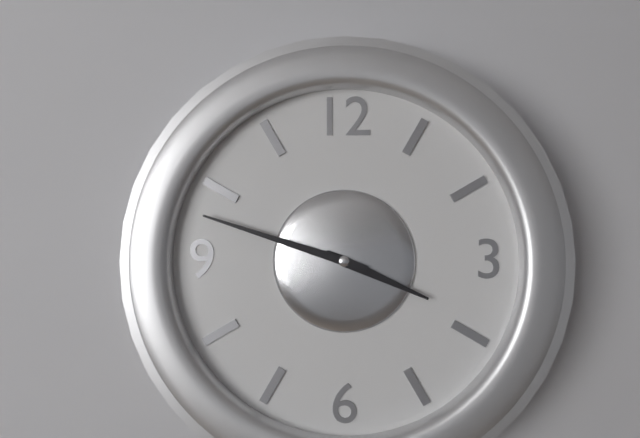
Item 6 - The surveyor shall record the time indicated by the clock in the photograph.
3:48
